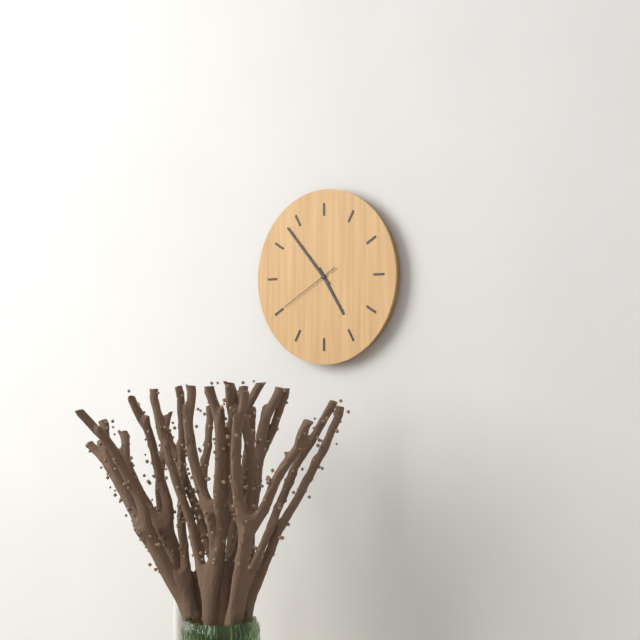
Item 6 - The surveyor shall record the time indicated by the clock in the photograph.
4:53:40
